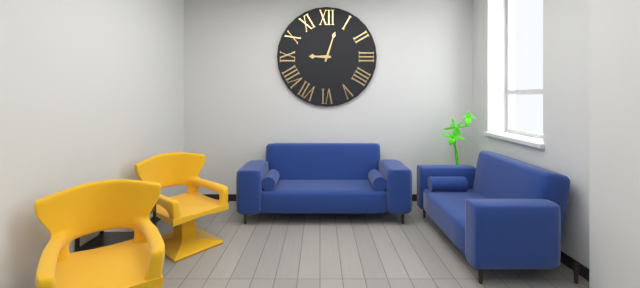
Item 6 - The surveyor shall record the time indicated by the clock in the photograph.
9:03
